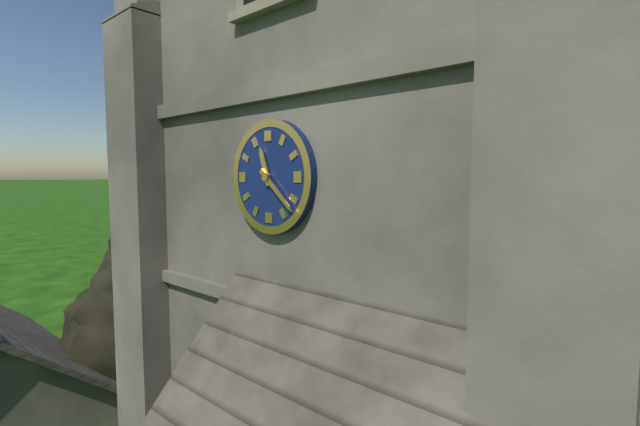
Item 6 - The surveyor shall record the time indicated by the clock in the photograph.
11:22
